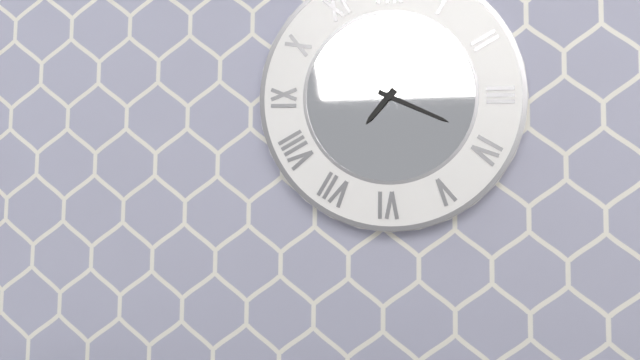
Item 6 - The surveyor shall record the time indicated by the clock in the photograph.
7:19
